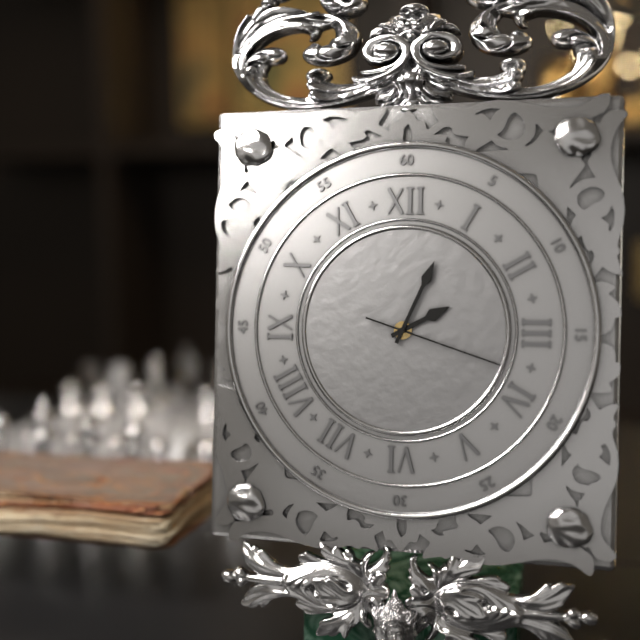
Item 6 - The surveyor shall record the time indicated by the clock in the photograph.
2:04:18
